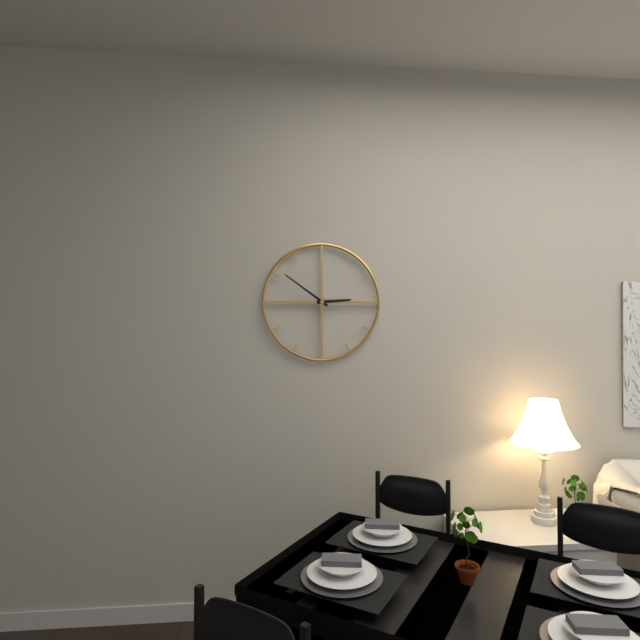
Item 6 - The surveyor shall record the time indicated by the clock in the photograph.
2:51
